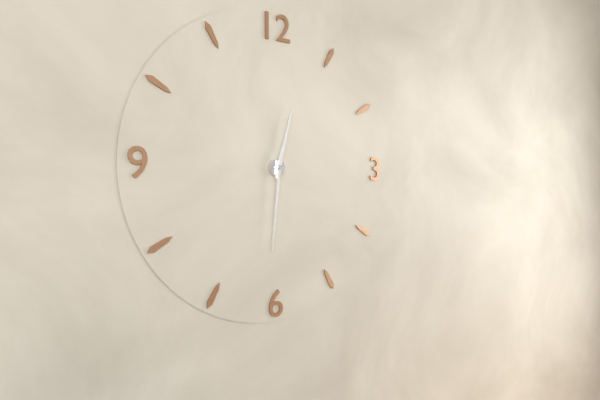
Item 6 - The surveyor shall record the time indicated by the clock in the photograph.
12:31
